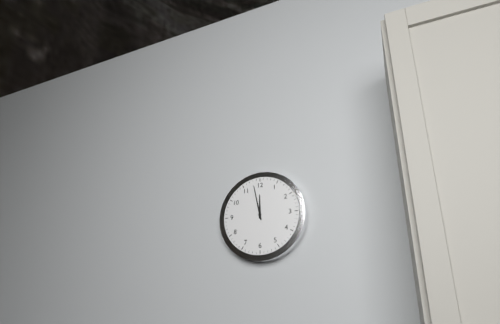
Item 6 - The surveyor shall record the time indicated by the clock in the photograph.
11:58
